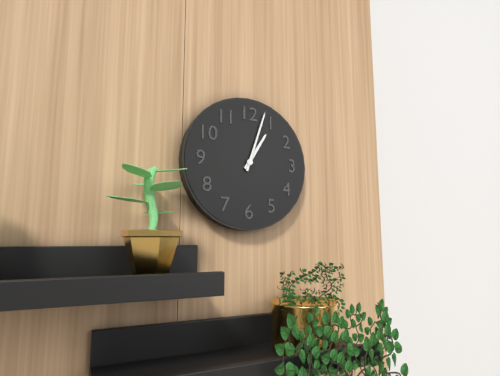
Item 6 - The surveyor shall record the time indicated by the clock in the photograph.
1:03
